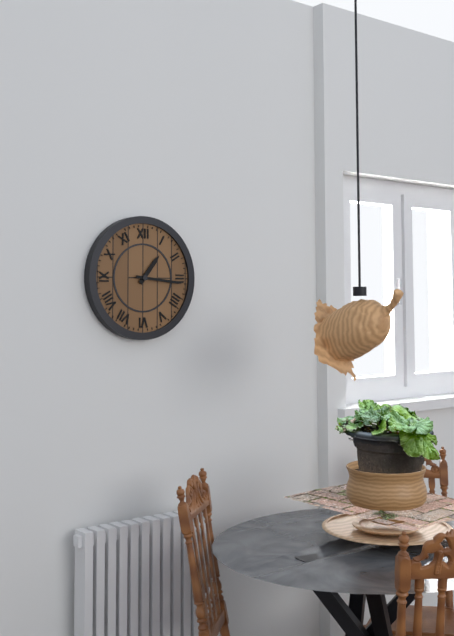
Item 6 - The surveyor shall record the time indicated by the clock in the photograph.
1:16
